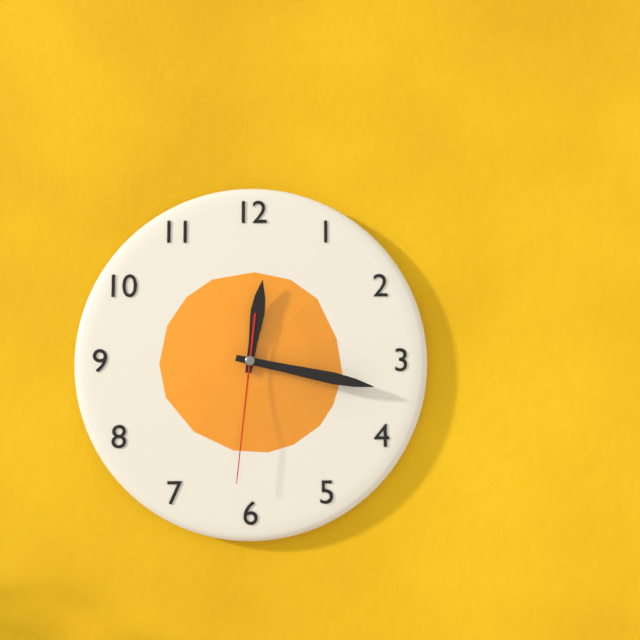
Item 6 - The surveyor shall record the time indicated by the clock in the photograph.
12:17:31
